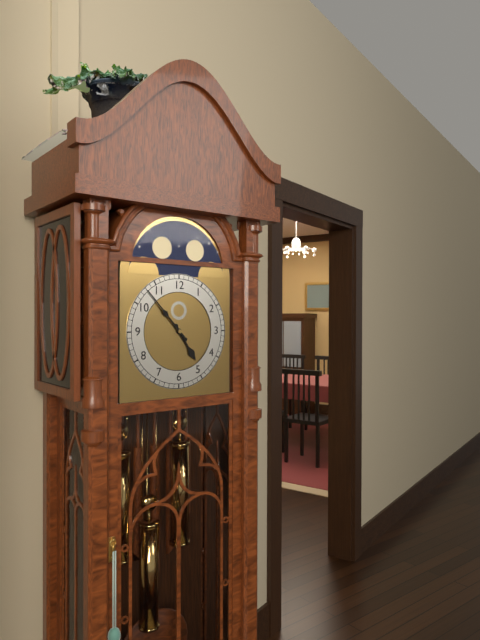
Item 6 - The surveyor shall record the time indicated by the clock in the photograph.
4:53
